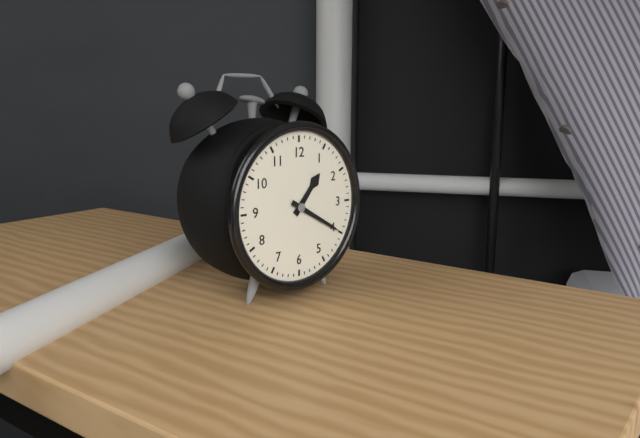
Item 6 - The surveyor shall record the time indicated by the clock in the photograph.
1:20
